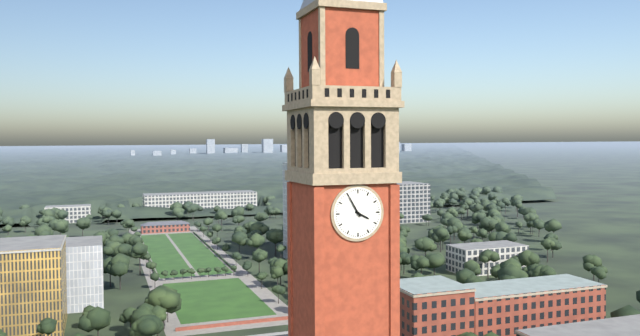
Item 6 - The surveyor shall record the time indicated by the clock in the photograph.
3:55
